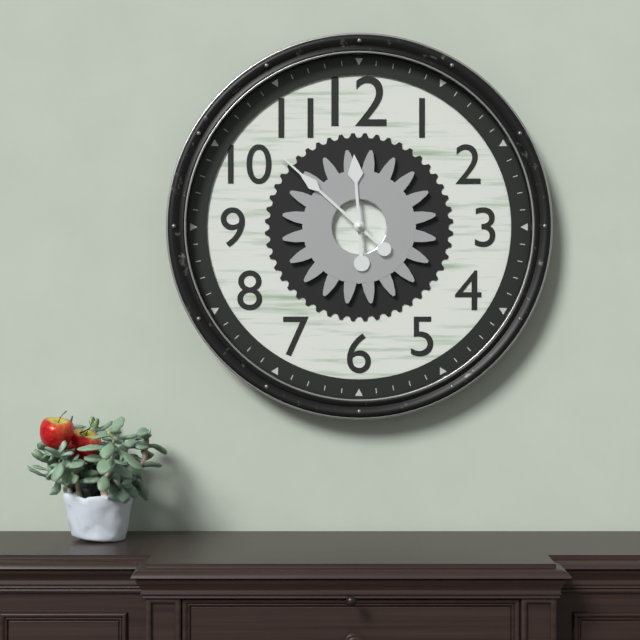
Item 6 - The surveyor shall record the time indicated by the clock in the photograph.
11:52
